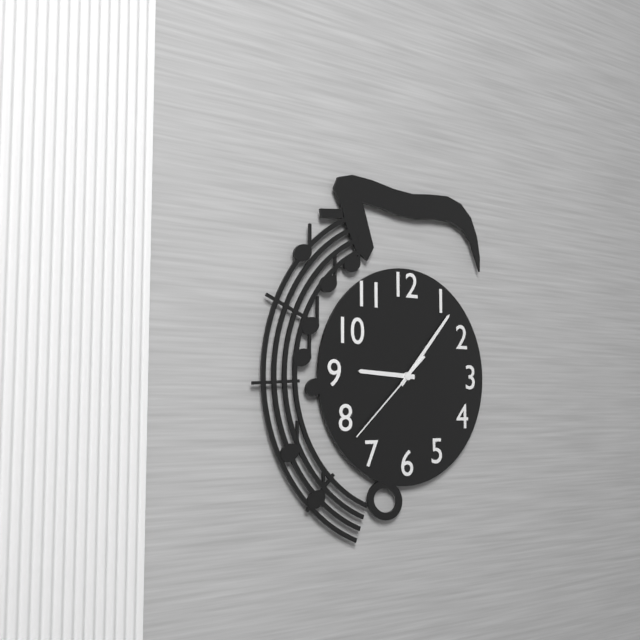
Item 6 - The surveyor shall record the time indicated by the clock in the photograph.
9:07:38
